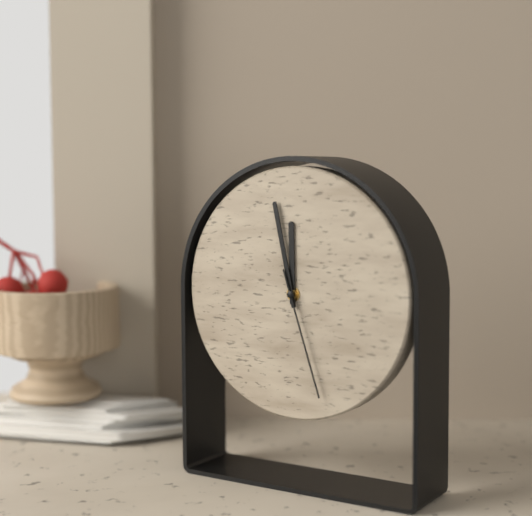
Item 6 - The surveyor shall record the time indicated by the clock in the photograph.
11:58:27
